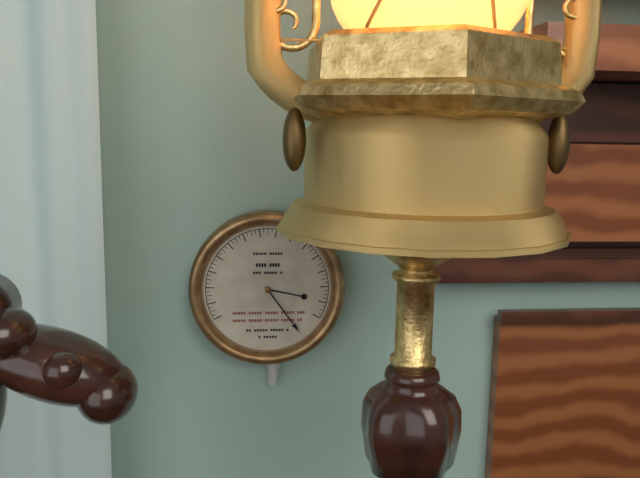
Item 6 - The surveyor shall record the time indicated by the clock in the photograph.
3:24
